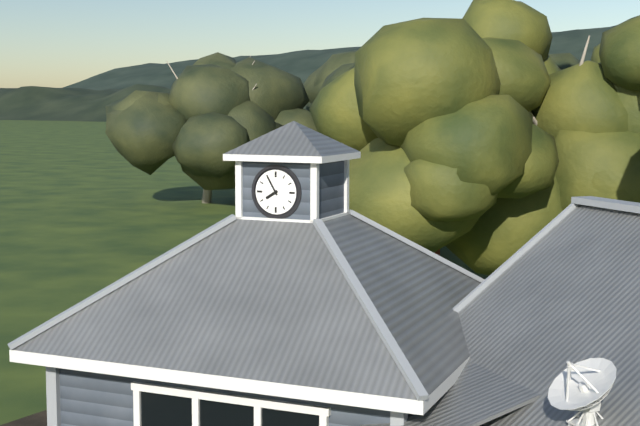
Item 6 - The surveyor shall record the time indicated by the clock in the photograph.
7:55
